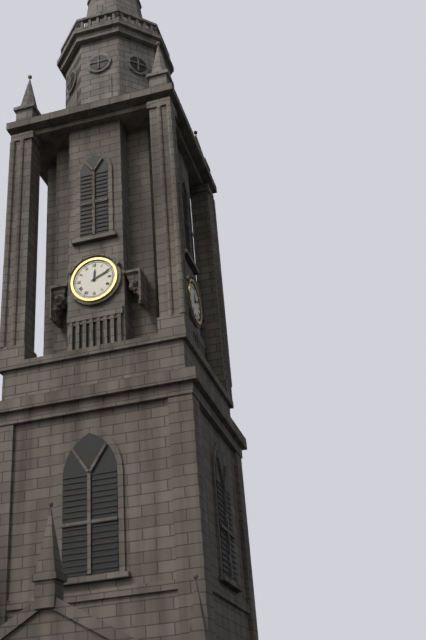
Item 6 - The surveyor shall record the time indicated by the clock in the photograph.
12:11
